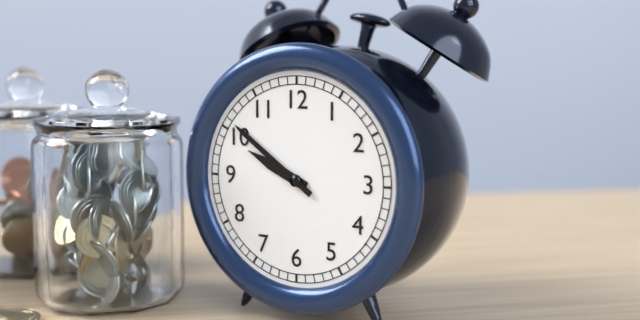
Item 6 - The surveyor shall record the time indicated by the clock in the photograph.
9:51
